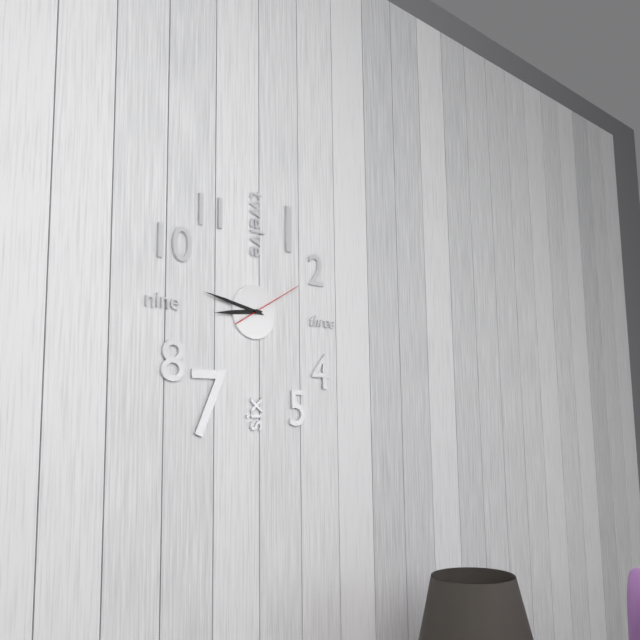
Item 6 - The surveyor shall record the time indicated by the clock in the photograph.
8:47:10
